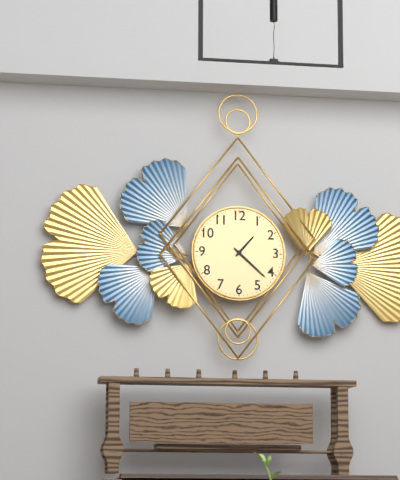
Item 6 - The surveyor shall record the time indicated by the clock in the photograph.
1:22
